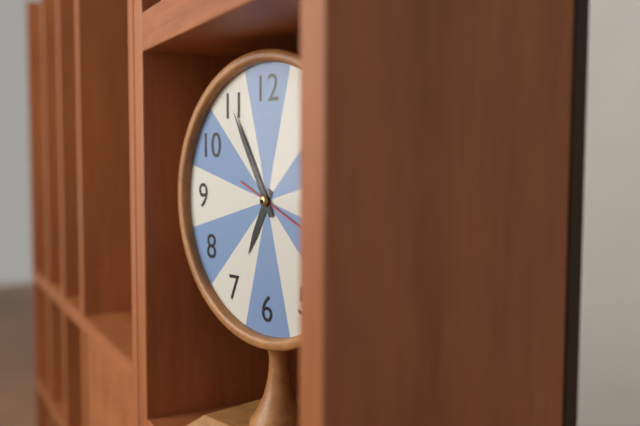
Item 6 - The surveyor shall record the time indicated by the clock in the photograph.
6:55
